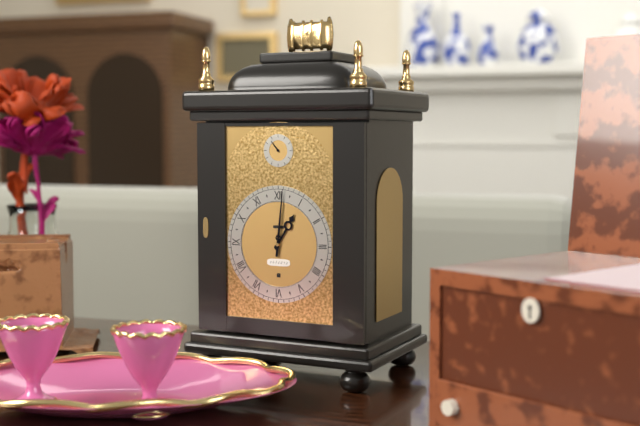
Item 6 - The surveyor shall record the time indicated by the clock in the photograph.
1:01
